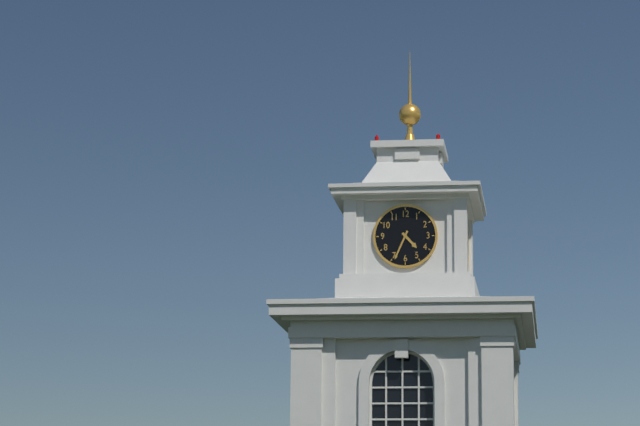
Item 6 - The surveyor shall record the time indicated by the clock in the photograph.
4:34
